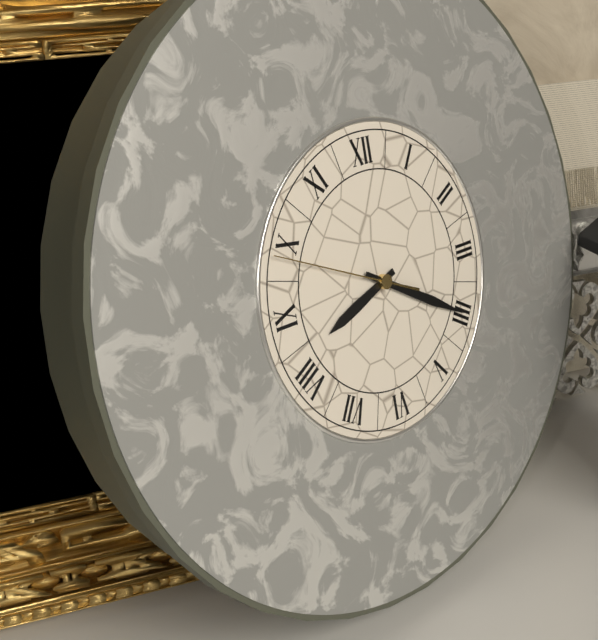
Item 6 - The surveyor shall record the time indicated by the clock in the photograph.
8:20:49
